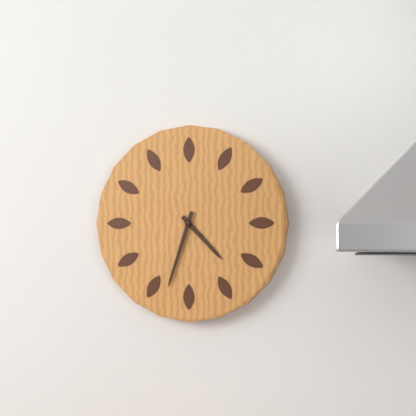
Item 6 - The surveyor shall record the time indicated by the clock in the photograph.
4:33
